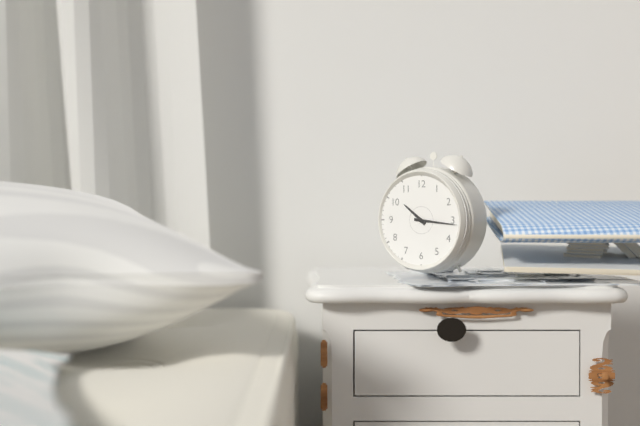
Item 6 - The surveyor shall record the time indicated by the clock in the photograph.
10:16
